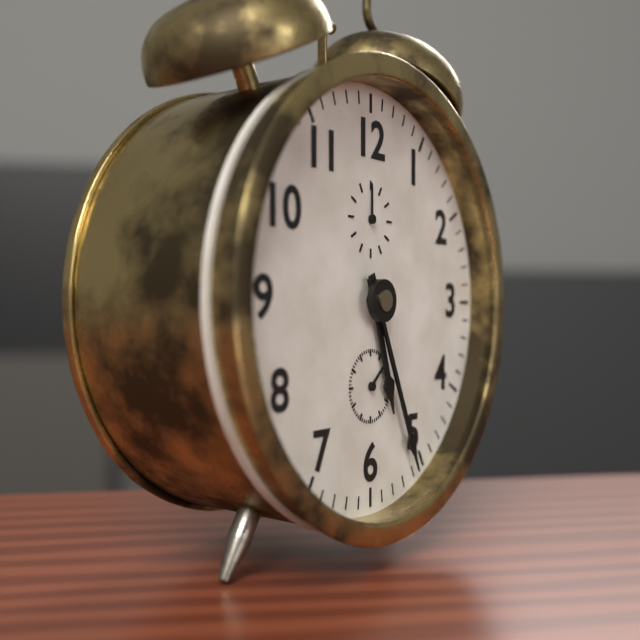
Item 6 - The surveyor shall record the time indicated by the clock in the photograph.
5:26
